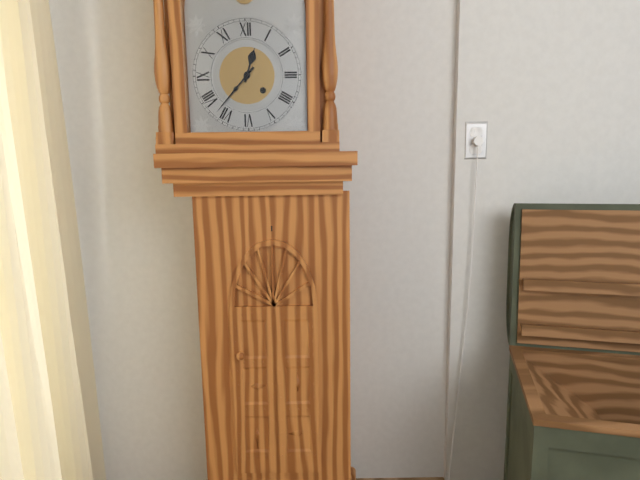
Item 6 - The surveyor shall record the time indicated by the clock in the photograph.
12:37
